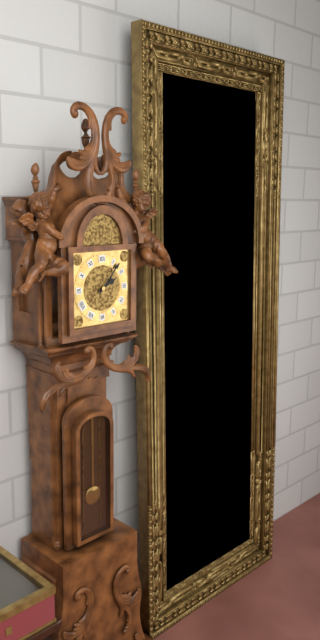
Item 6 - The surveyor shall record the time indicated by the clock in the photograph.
2:07
